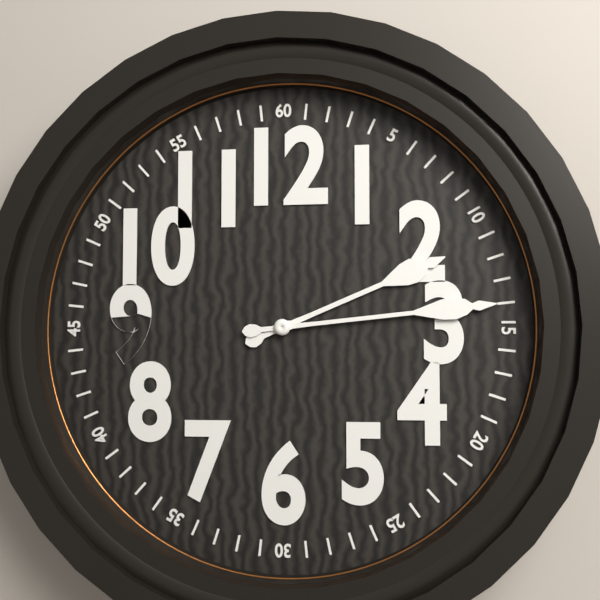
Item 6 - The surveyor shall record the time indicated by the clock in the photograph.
2:14
